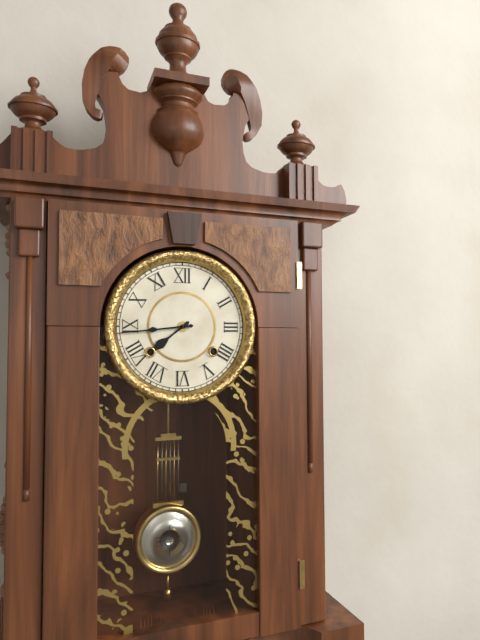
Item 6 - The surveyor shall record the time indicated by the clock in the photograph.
7:44
